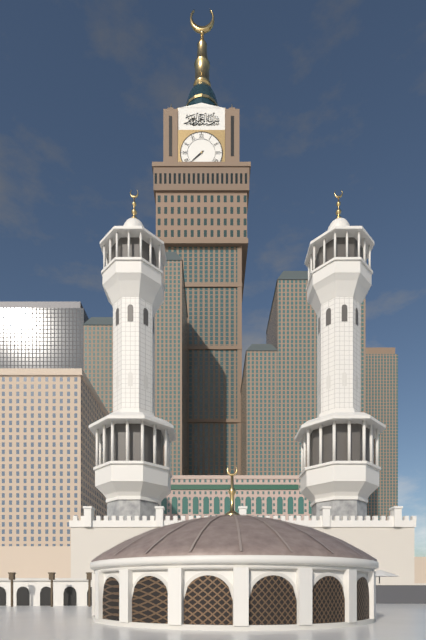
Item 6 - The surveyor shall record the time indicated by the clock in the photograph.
7:38
